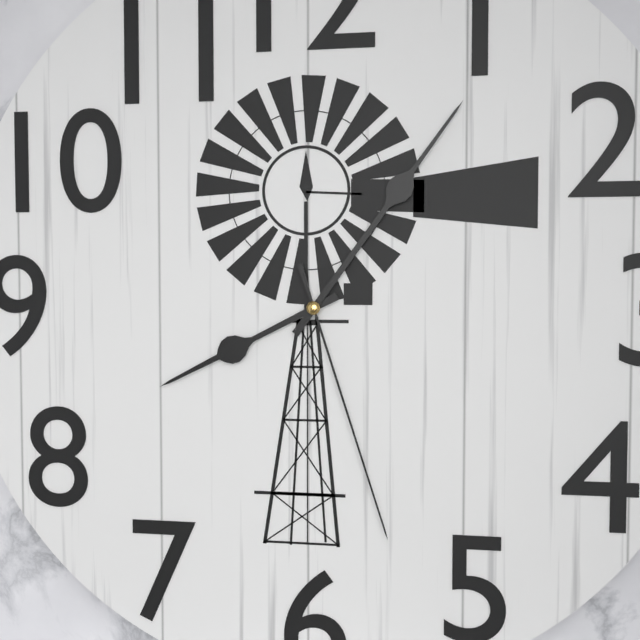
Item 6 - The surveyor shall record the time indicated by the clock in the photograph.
8:06:27
